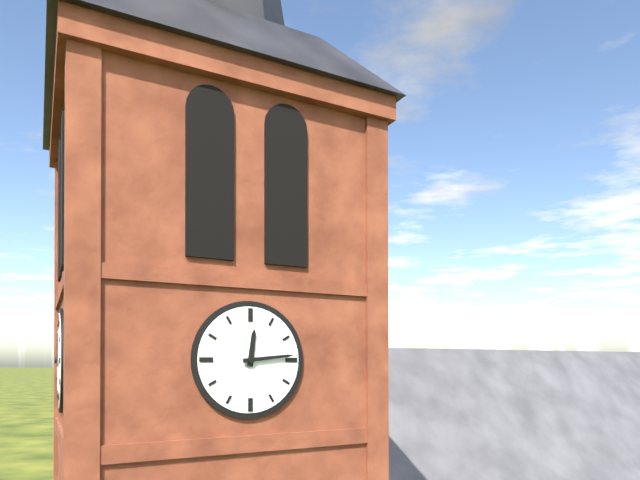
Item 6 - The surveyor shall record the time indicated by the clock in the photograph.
12:14
